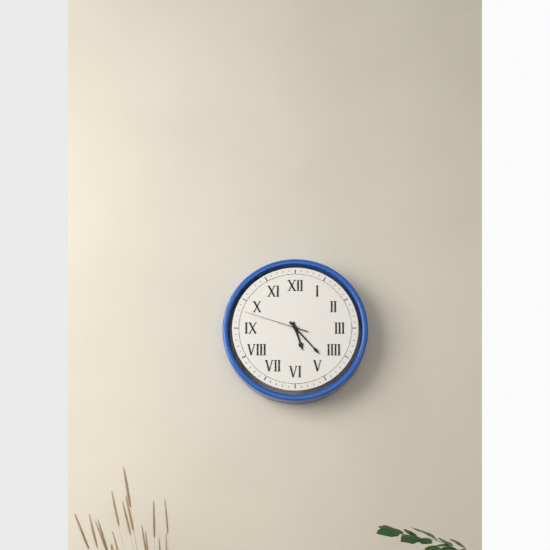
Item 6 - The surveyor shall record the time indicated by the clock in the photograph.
5:23:48
